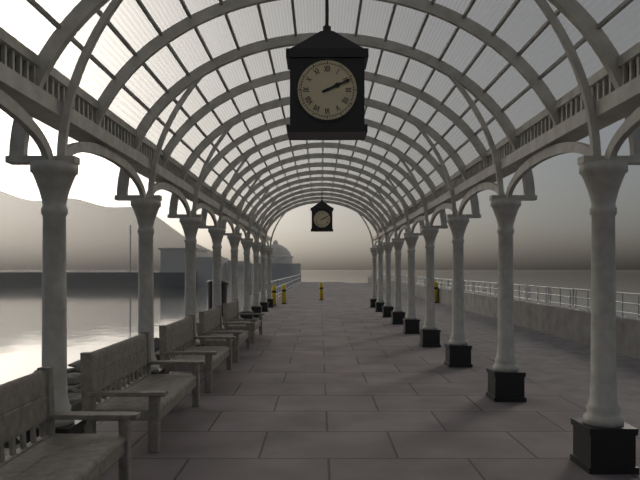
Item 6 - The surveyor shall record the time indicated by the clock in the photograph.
2:11
